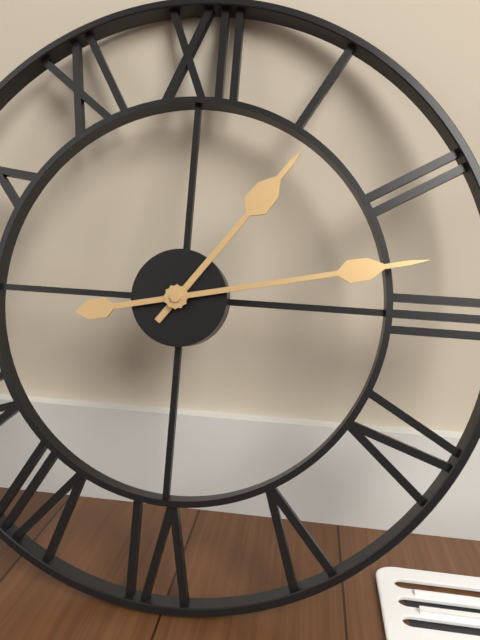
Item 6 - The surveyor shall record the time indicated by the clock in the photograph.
1:13
